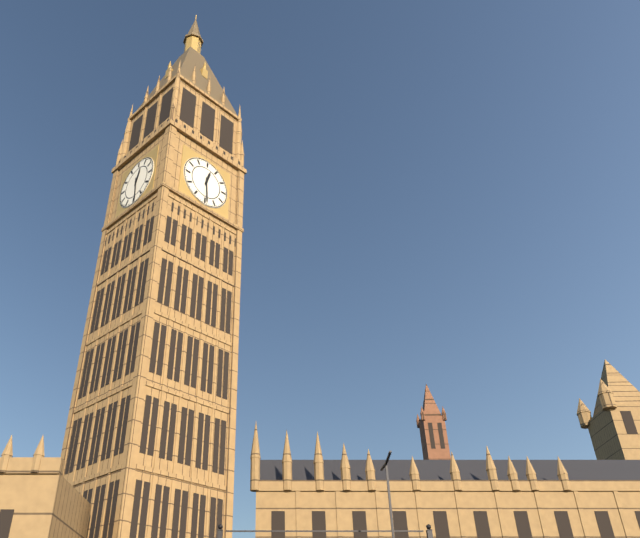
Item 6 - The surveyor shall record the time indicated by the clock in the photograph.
12:29
